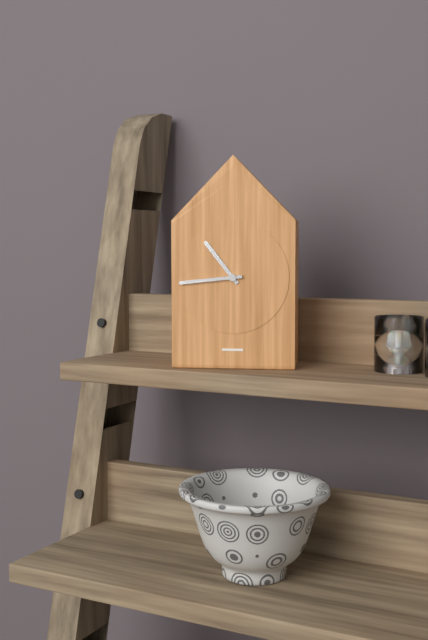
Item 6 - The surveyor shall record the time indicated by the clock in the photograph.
10:44
